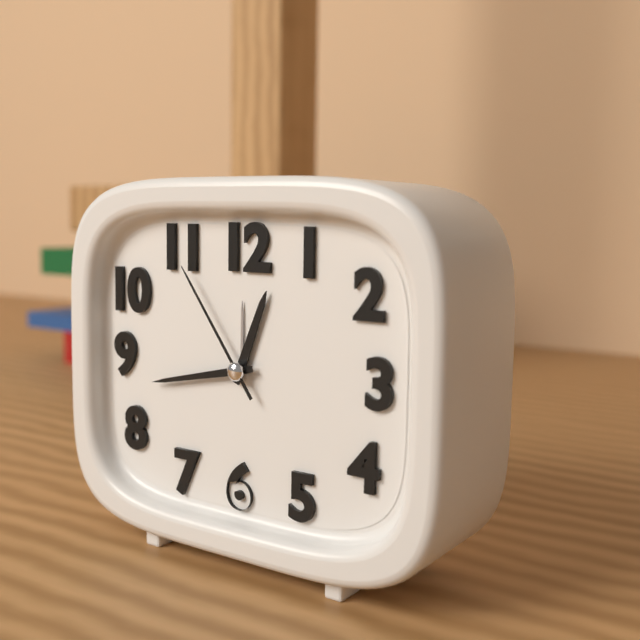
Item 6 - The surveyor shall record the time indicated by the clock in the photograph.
12:43:54
